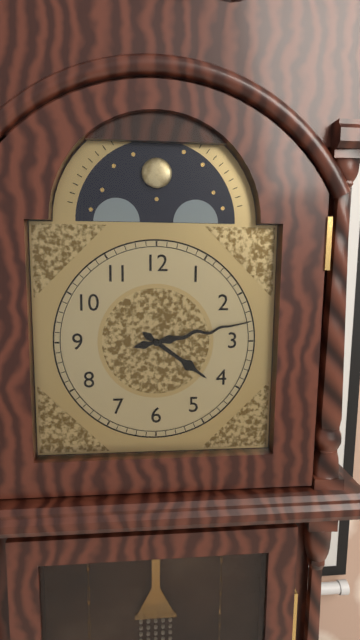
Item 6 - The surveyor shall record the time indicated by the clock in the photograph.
4:13
